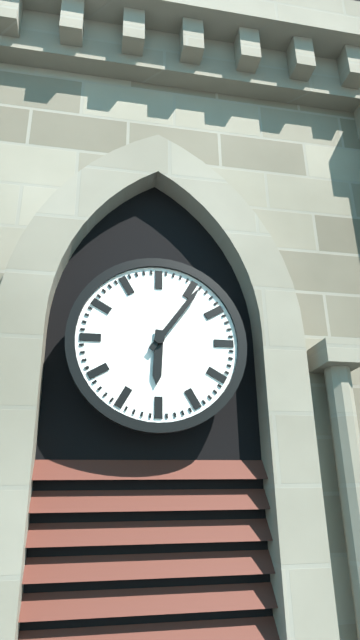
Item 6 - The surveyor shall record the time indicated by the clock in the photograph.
6:06
